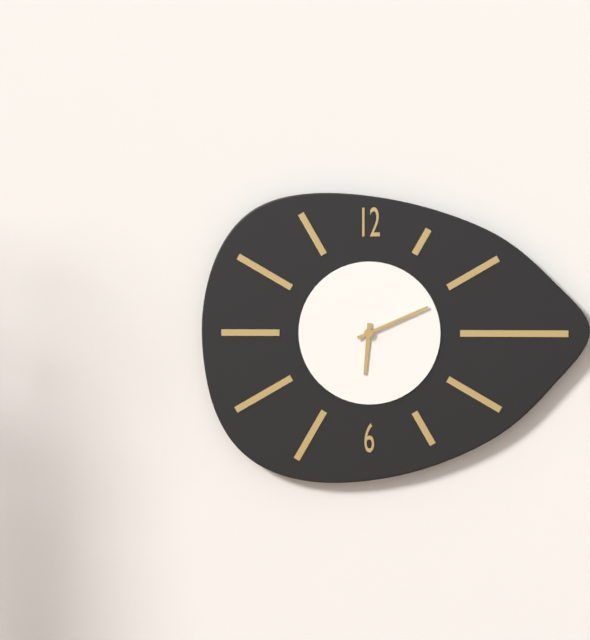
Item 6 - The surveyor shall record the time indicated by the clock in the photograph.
6:11
